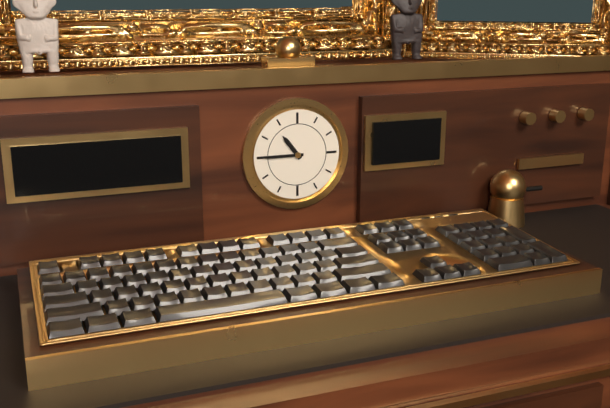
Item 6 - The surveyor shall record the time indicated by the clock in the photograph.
10:45
